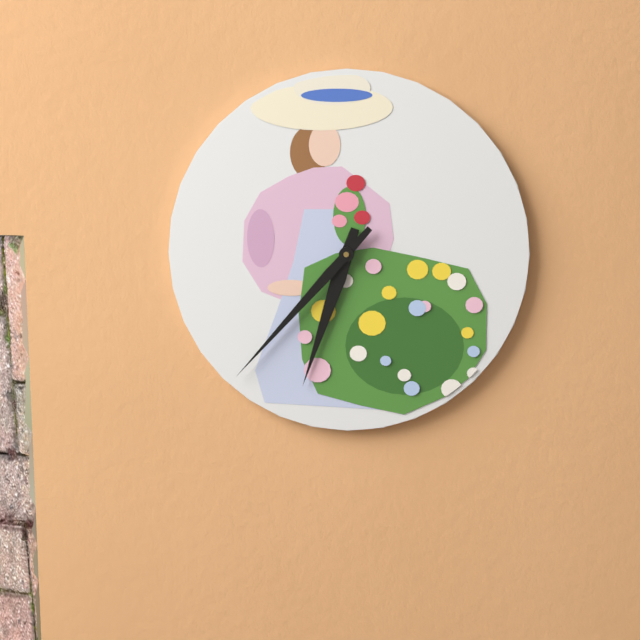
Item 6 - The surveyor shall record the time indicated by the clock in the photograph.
6:37
